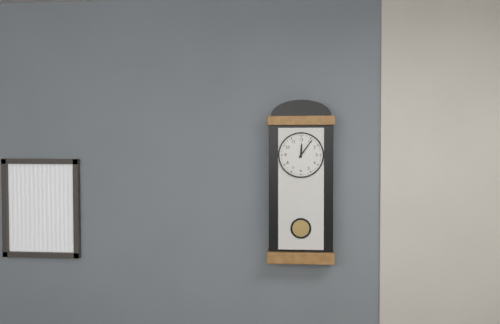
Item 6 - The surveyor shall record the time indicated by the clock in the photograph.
12:06
